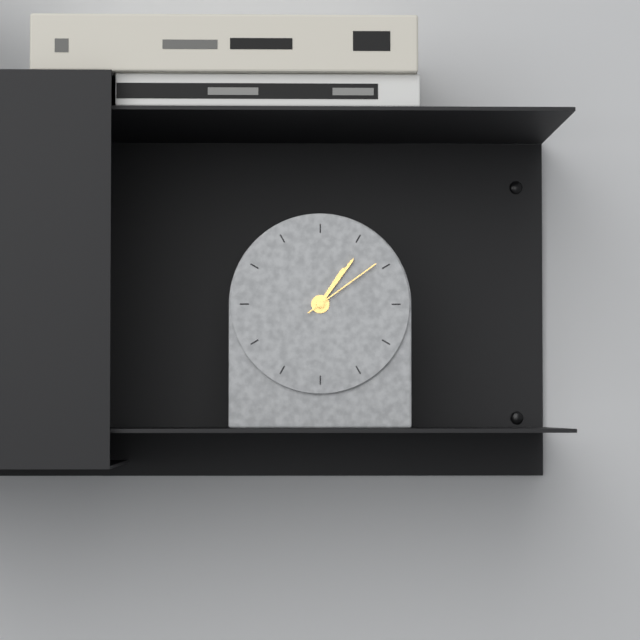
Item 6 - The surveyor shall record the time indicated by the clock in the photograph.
1:06:09
